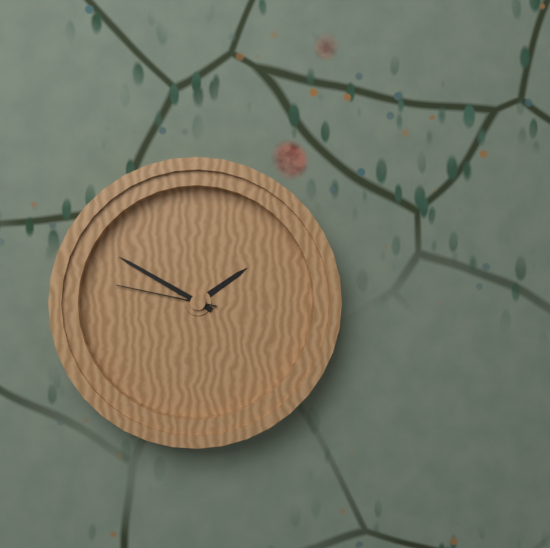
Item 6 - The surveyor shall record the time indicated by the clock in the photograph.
1:50:47
